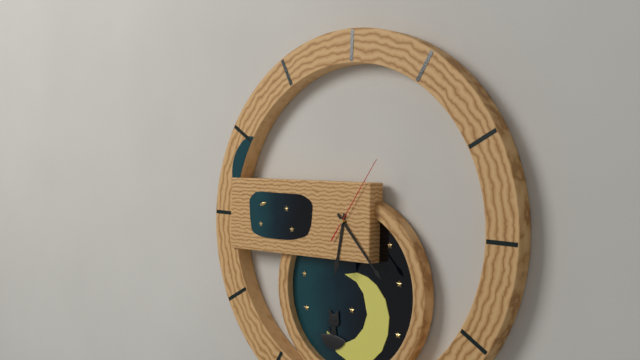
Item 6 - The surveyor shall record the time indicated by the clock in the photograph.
6:23:06
